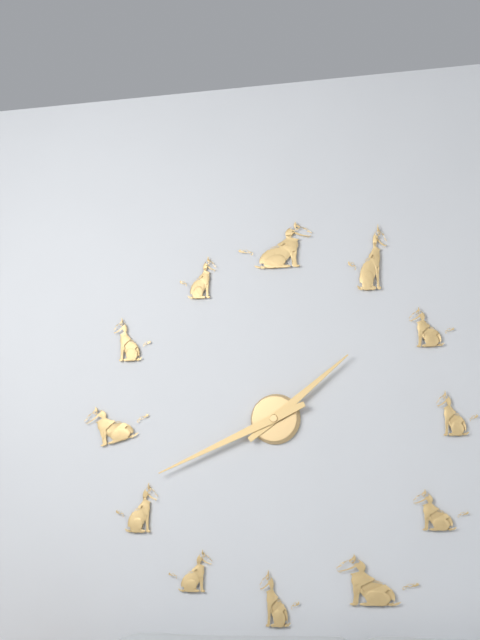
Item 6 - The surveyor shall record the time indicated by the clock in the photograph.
1:41
